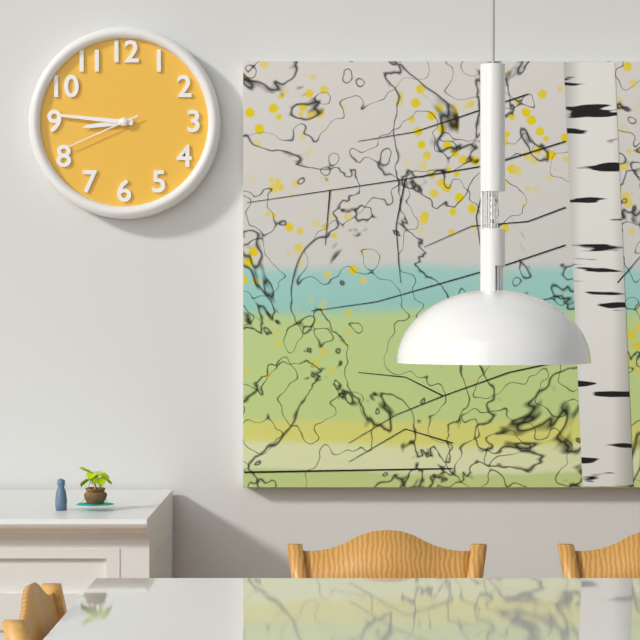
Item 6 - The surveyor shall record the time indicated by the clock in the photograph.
8:46:41
